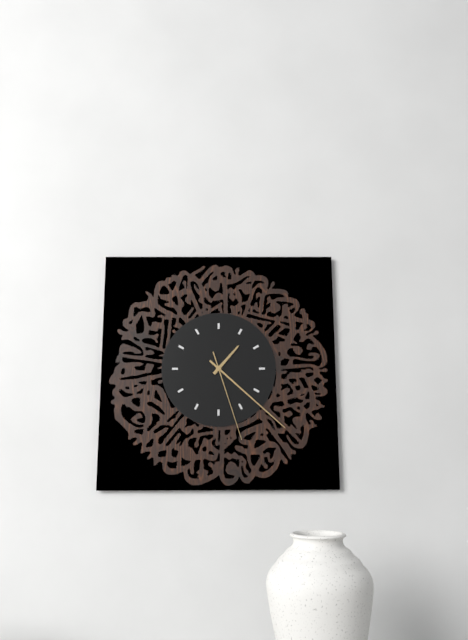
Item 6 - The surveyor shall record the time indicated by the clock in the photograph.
1:22:27
